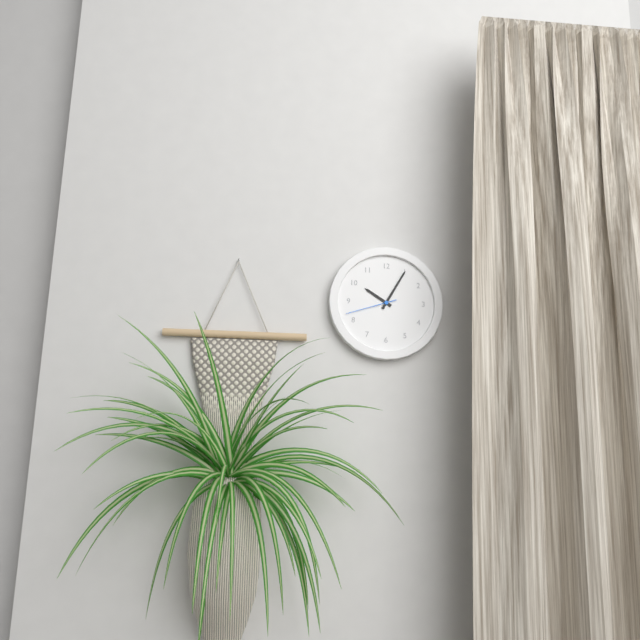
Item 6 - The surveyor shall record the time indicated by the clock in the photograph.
10:05:42
